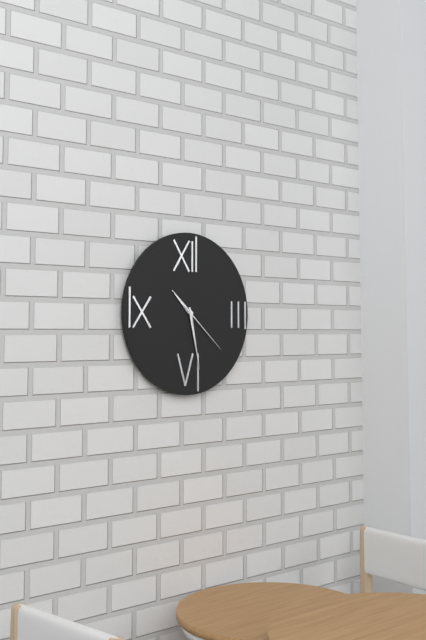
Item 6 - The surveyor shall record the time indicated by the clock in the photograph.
10:28:22
